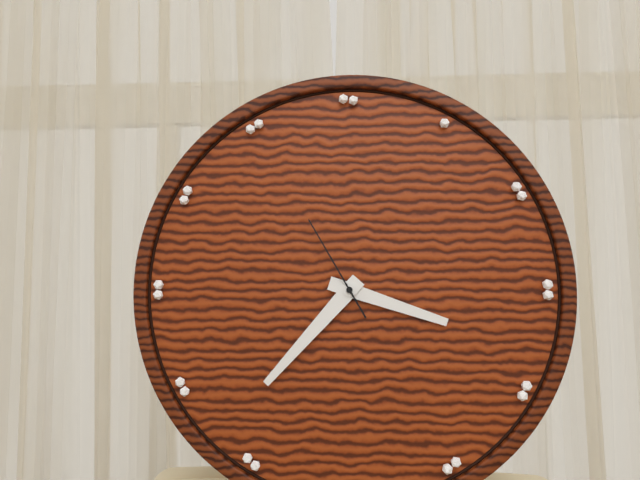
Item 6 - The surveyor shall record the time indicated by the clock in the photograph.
3:37:55
